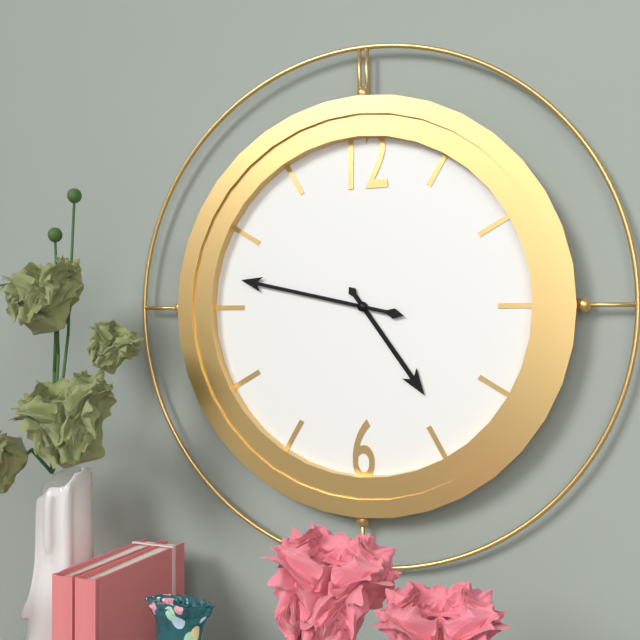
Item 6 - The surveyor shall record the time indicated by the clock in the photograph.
4:47
